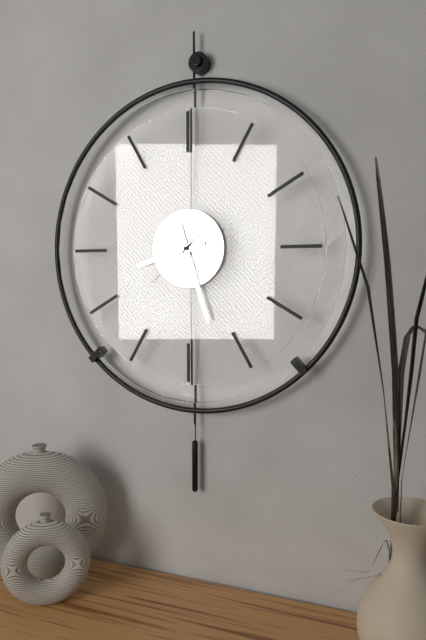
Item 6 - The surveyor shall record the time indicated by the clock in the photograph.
8:27:38
